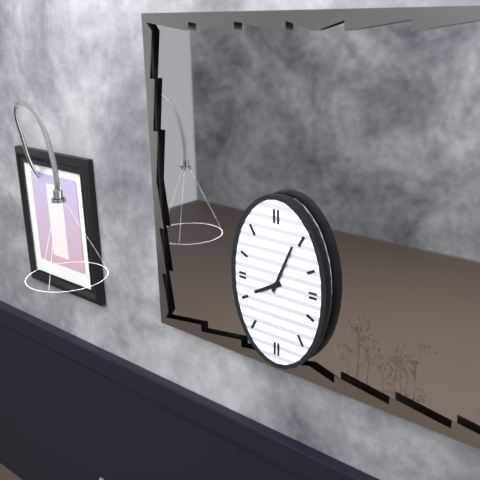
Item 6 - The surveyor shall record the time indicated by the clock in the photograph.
8:04
